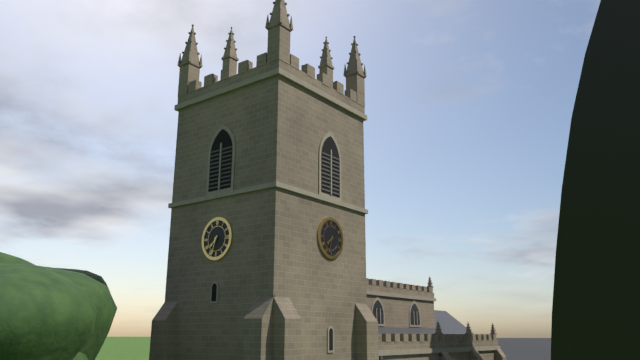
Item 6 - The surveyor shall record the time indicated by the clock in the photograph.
7:33
